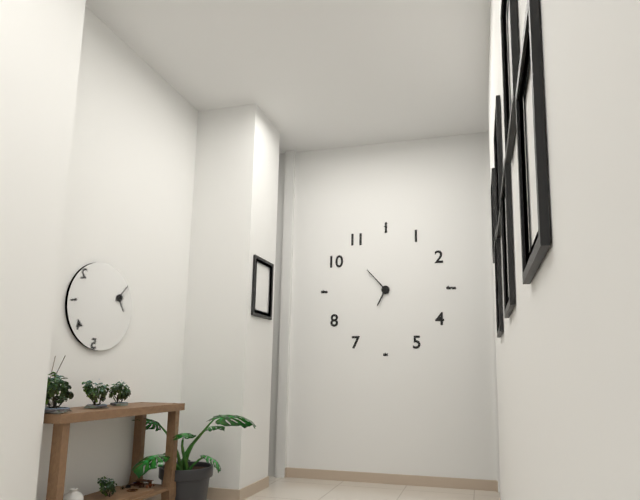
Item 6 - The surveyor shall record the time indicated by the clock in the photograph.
6:53
